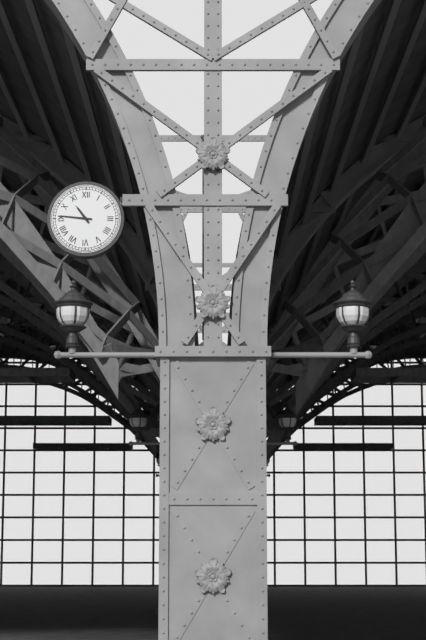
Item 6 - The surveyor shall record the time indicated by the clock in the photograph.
10:46
